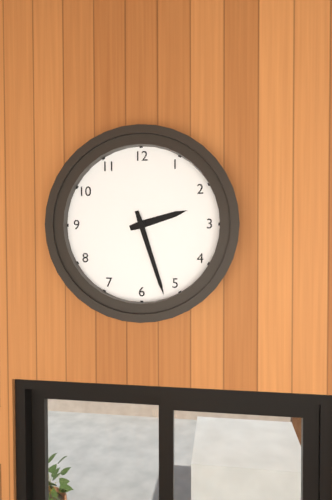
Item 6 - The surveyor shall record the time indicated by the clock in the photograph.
2:27
